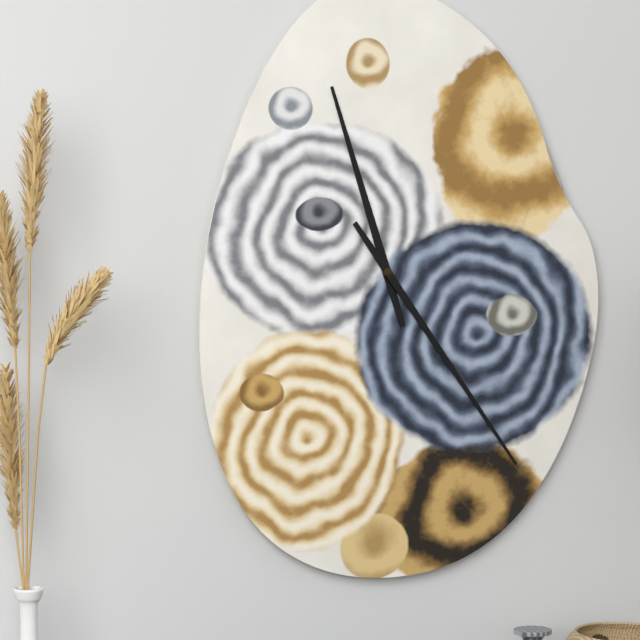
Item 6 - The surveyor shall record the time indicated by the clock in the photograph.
11:24
